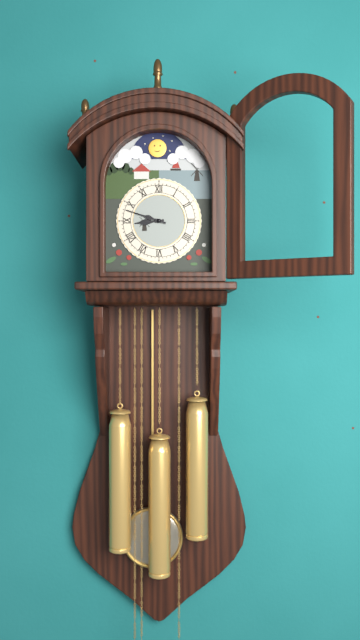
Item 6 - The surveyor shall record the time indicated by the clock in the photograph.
8:48
